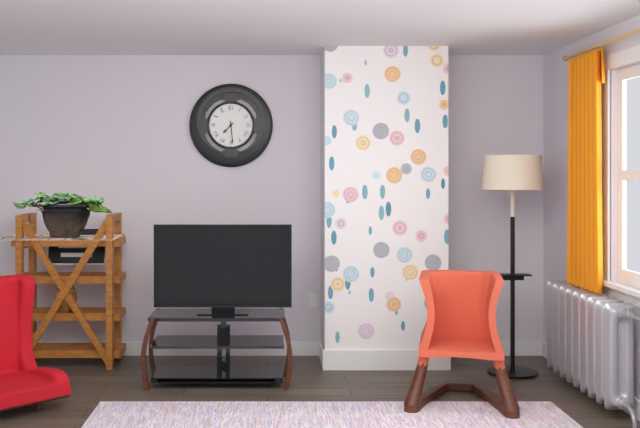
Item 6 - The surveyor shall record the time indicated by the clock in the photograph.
7:29
